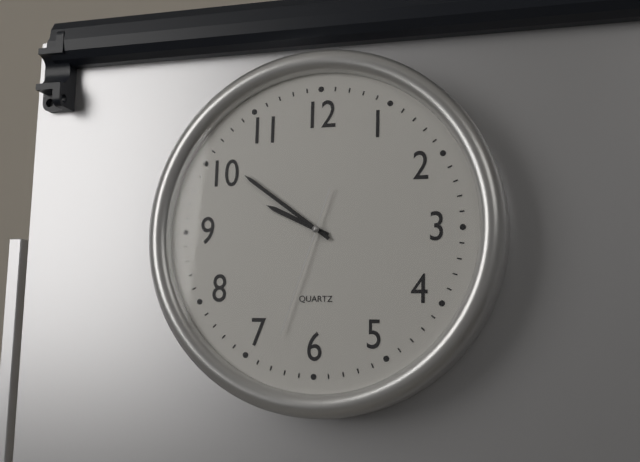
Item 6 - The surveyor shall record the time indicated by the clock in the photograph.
9:51:33
